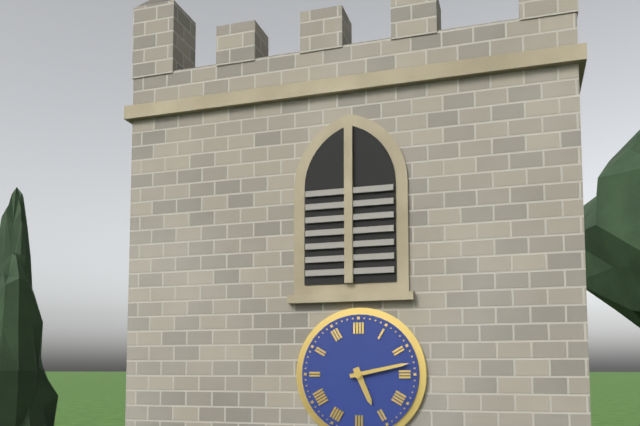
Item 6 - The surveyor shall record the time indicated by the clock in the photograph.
5:13
